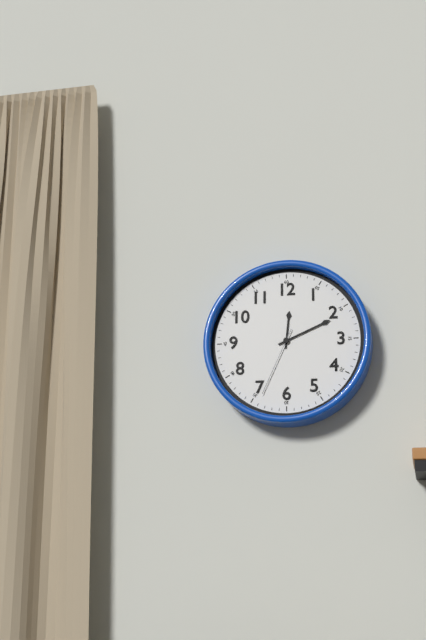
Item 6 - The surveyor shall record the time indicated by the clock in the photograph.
12:11:34
